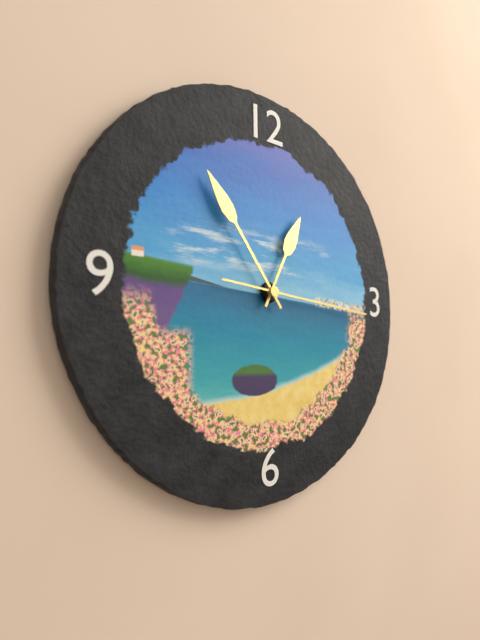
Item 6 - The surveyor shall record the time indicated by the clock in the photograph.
12:54:16
